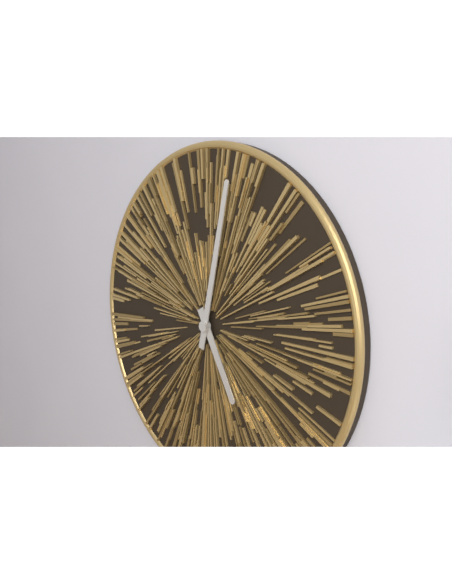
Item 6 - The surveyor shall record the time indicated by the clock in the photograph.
5:02
